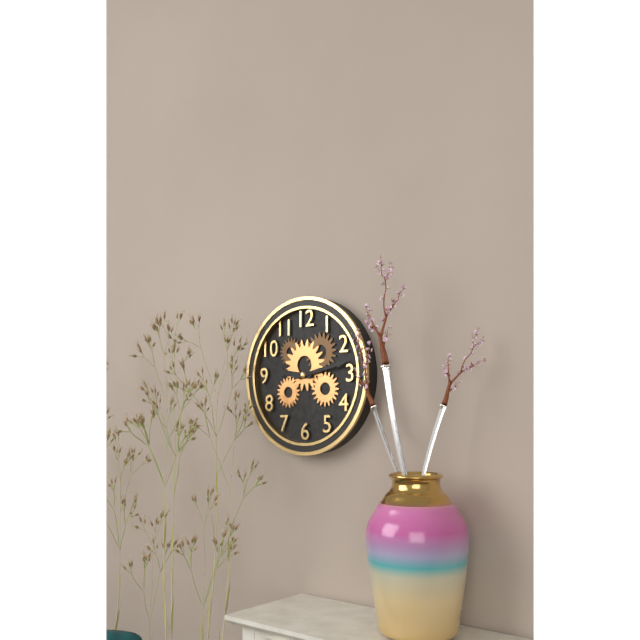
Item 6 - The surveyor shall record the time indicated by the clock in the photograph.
9:13
